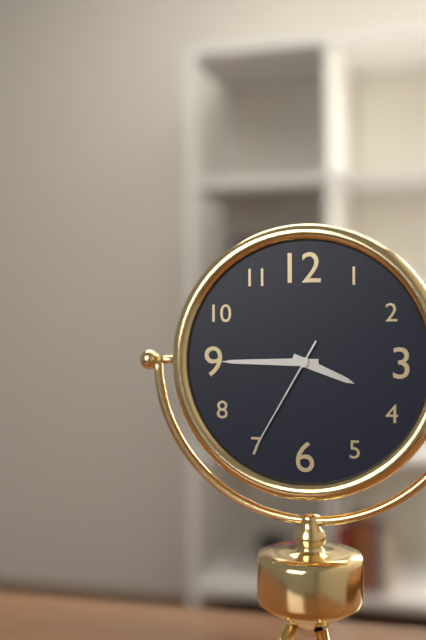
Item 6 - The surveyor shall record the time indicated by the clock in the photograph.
3:45:35
